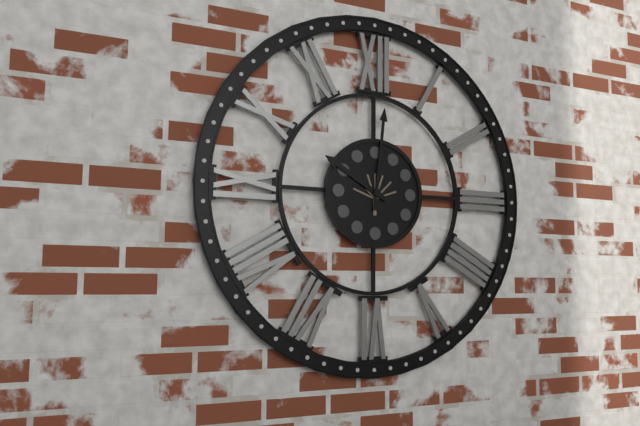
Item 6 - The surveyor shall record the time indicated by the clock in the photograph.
10:01
